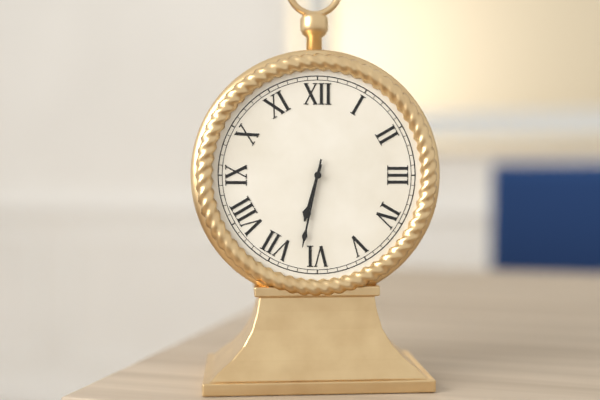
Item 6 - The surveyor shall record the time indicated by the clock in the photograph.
6:32
